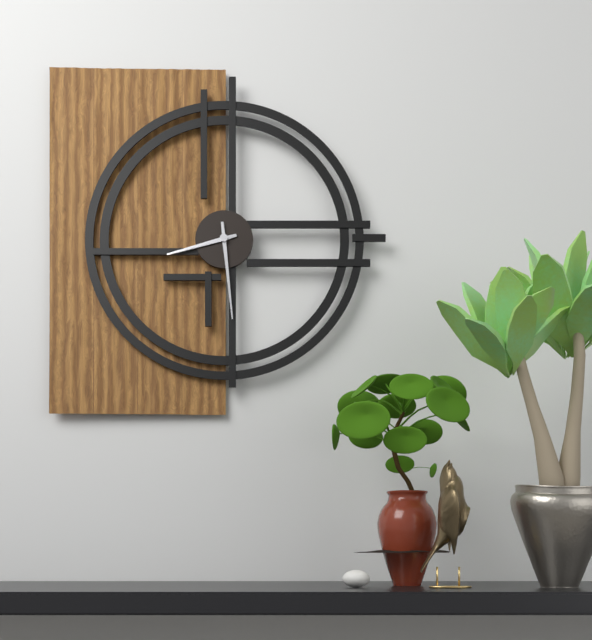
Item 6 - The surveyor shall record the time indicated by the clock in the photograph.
8:29
